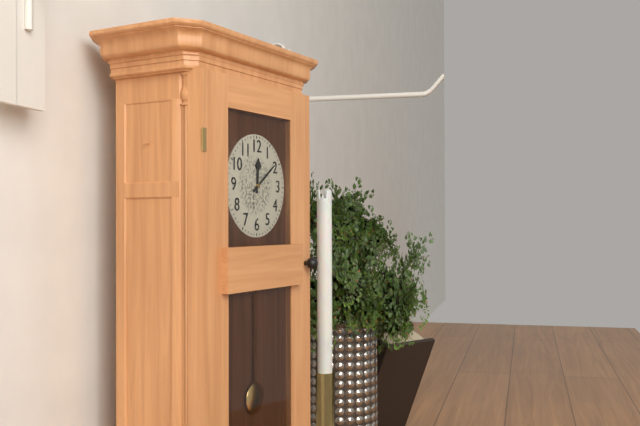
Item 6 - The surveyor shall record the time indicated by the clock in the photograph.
12:09
